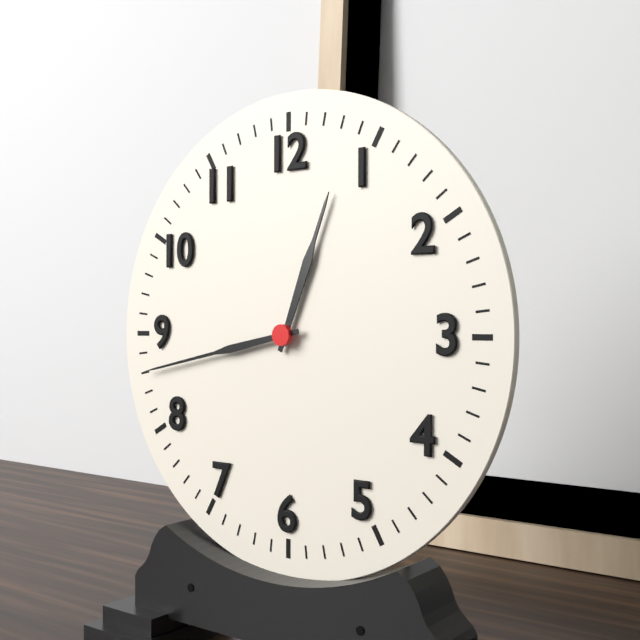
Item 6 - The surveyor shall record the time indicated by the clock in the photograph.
12:43
